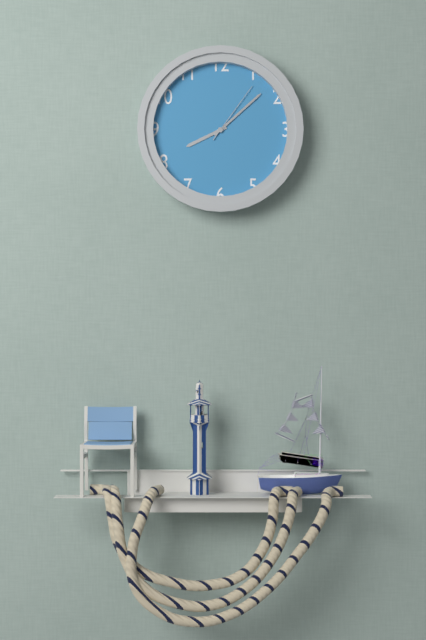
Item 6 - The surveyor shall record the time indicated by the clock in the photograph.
8:08:06
